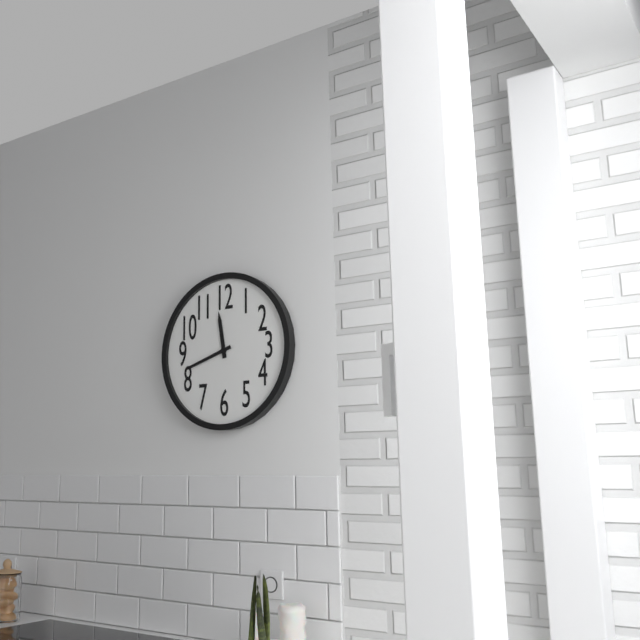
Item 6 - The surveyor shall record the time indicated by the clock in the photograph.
11:42
